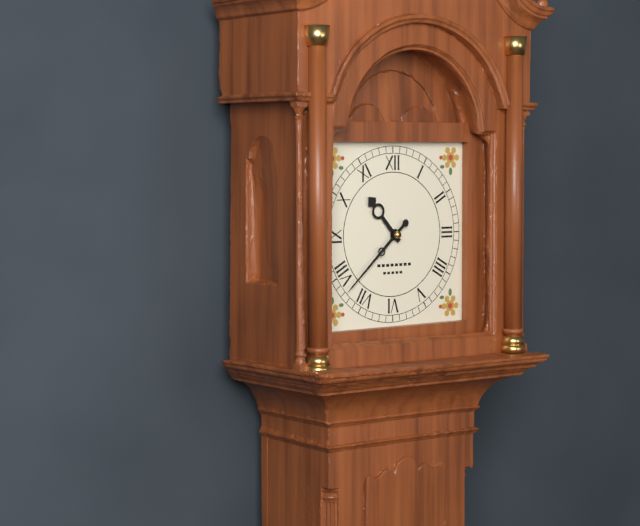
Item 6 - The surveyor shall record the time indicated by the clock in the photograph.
10:38
